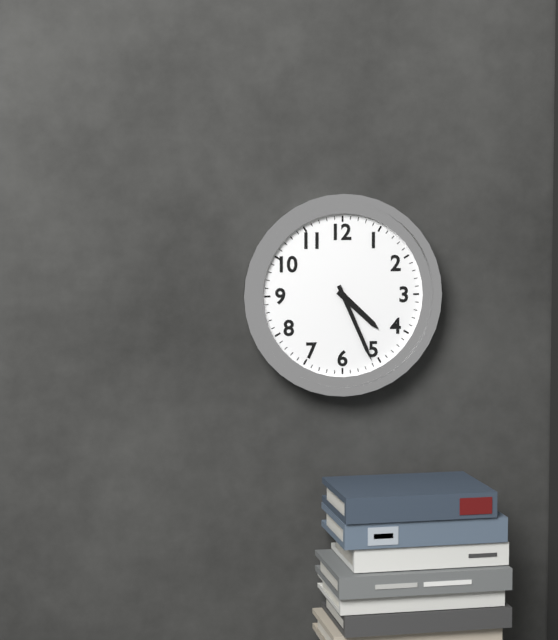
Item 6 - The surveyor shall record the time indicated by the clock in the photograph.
4:26
